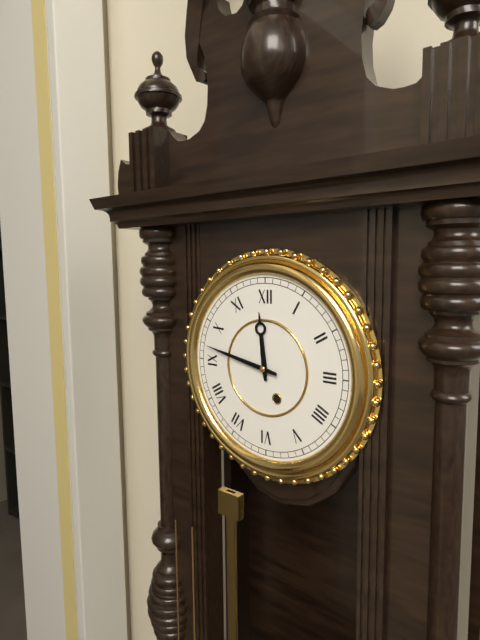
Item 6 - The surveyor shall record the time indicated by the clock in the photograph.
11:47
